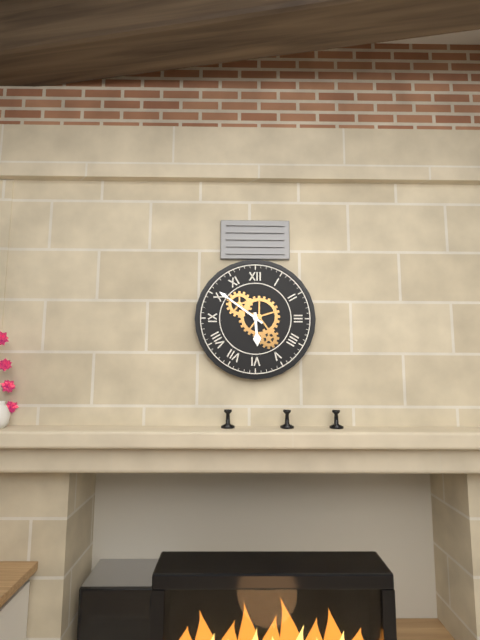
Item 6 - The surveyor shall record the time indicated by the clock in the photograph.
5:51
